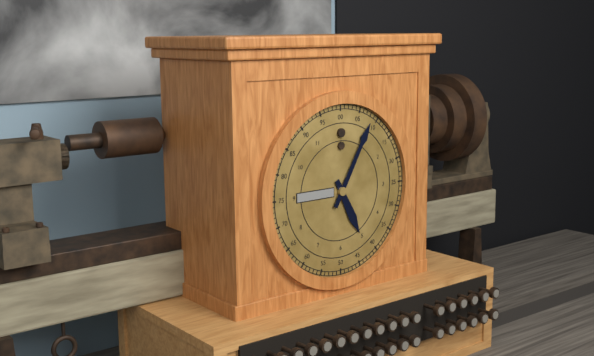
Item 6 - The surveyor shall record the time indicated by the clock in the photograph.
5:05
